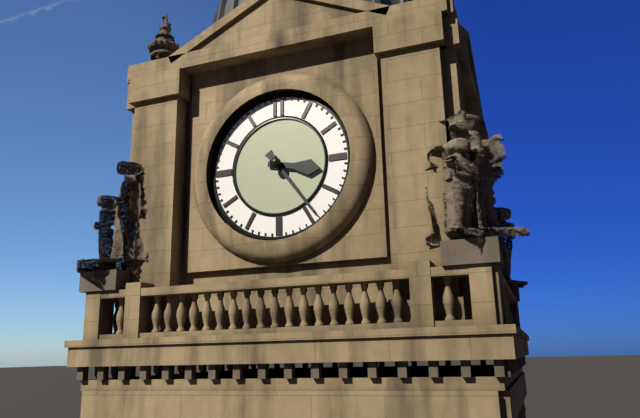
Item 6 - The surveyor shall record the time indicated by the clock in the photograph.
3:24
